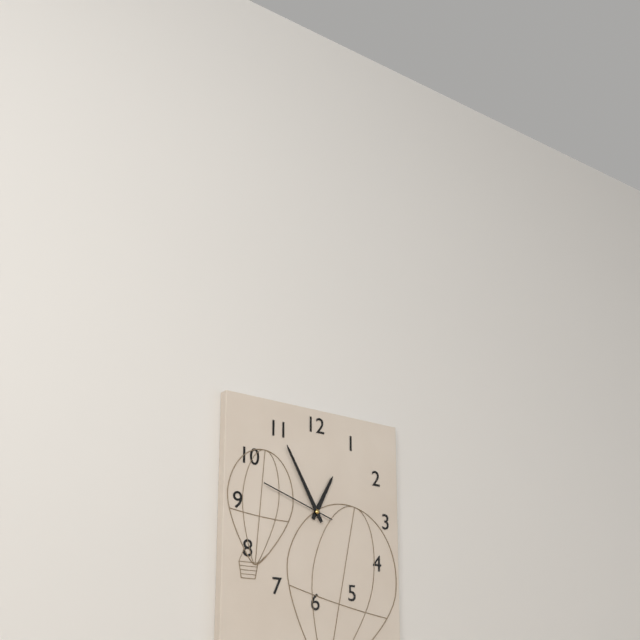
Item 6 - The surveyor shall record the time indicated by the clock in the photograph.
12:55:48
